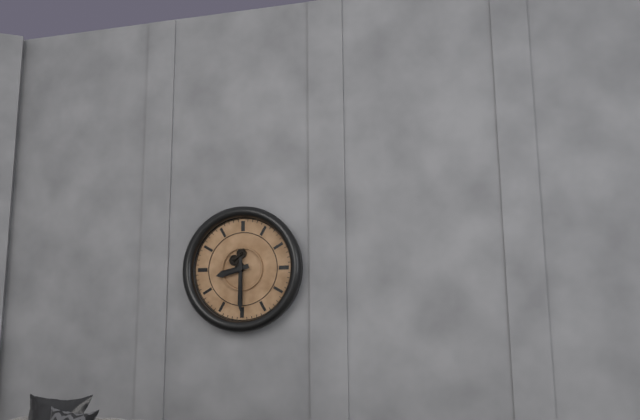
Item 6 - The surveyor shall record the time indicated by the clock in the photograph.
8:30
